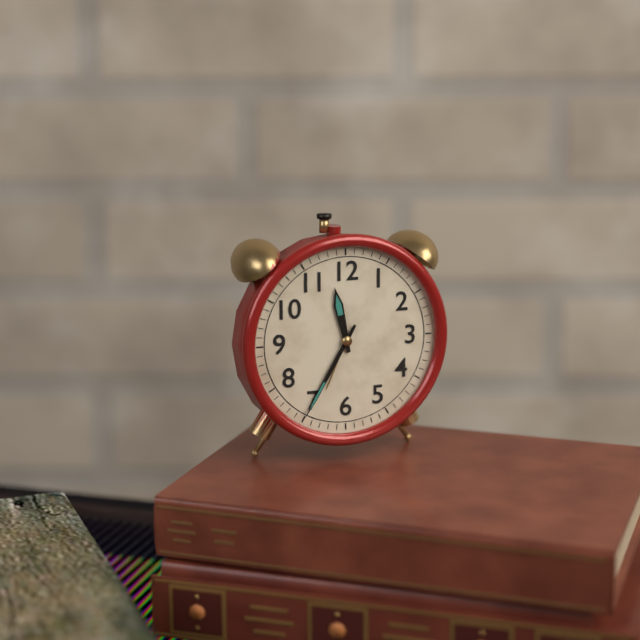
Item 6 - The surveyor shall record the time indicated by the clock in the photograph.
11:35
